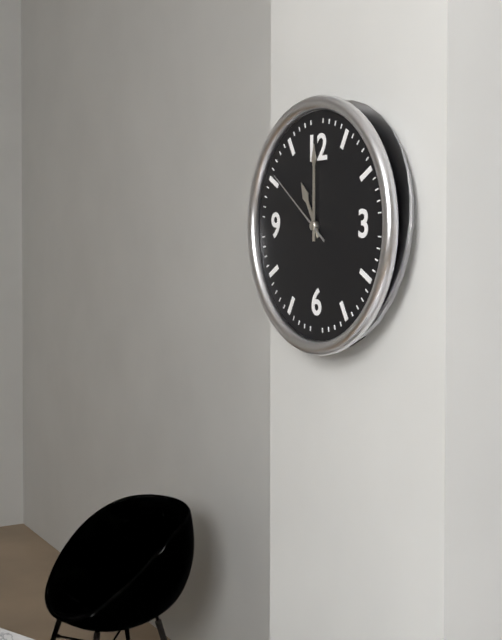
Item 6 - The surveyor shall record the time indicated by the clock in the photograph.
11:00:51
